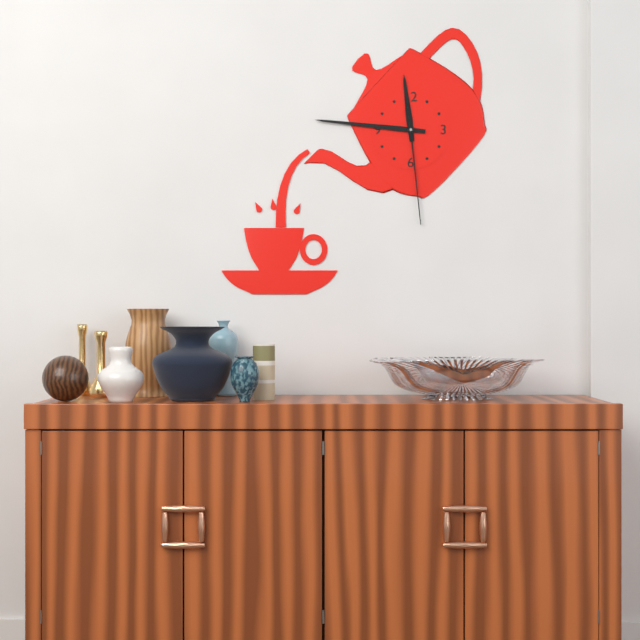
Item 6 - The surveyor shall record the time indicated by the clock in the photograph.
11:46:29
